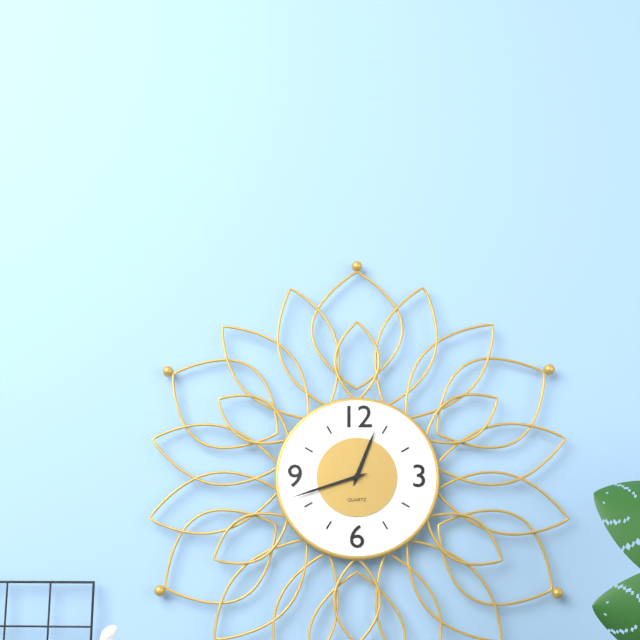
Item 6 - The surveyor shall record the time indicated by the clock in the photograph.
12:42
